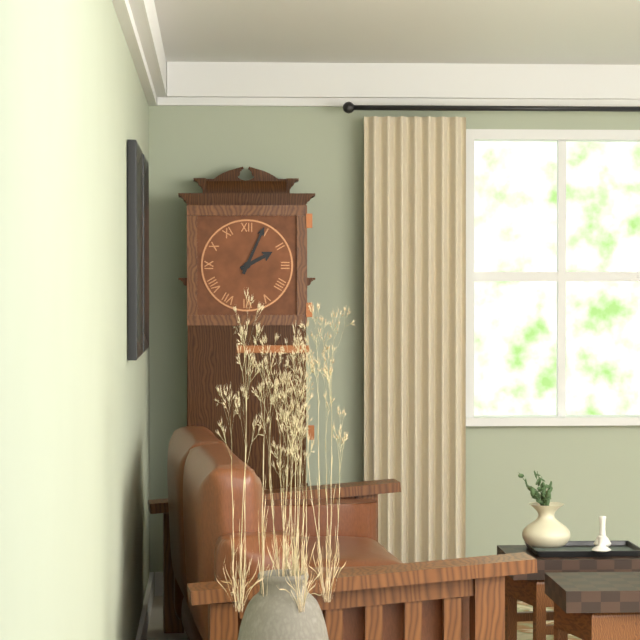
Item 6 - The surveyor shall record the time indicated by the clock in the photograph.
2:04
